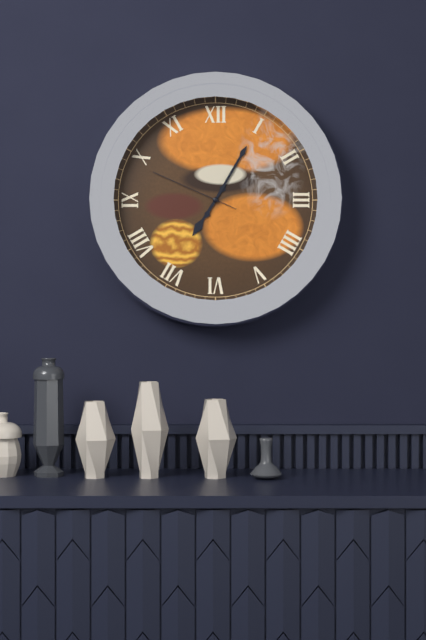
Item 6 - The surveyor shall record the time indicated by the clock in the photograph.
7:05:49
